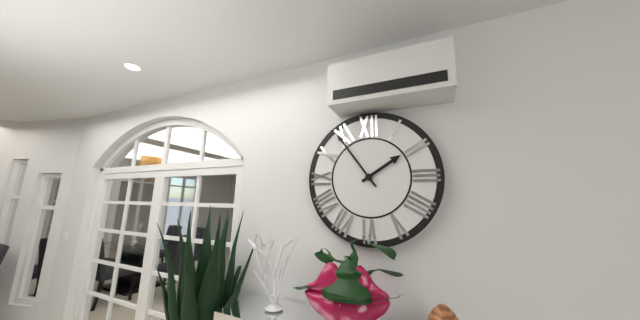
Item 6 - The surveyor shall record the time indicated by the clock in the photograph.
1:54
